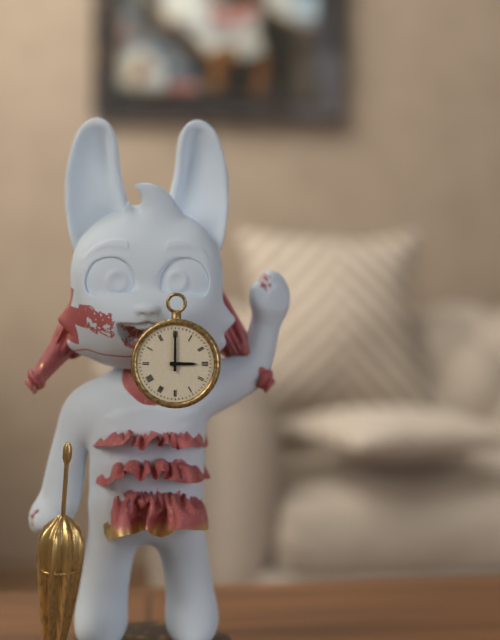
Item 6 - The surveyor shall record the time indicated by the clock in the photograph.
3:00
